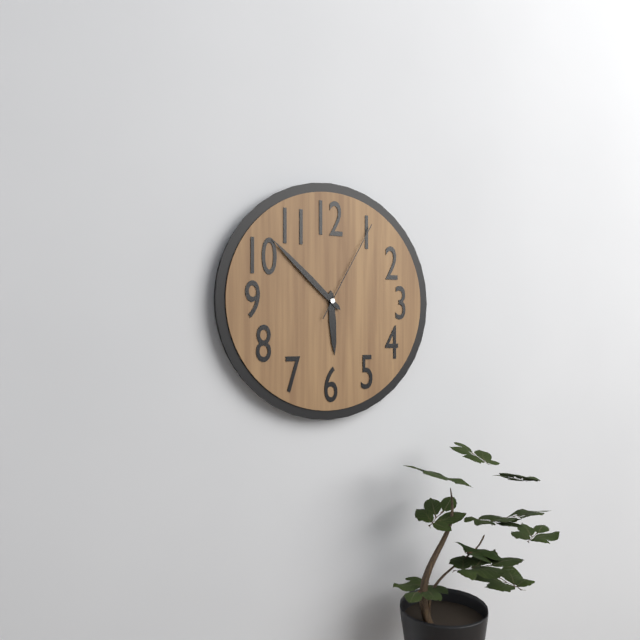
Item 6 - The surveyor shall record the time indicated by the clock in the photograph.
5:52:05
